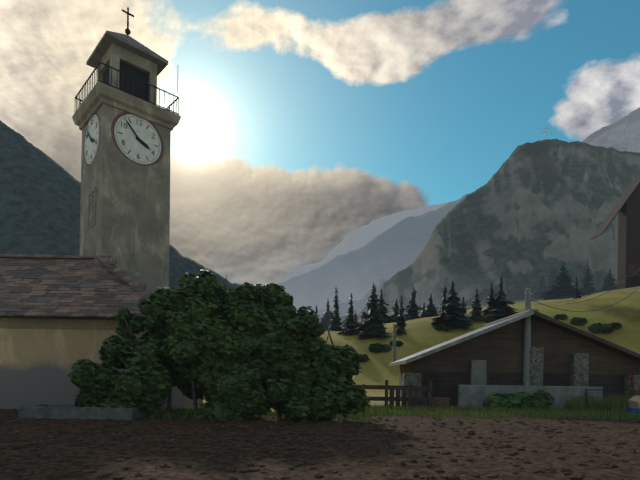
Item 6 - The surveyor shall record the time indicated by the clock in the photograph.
3:53
